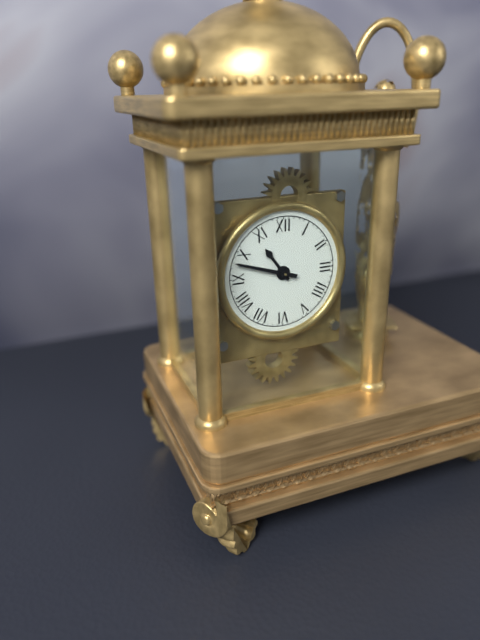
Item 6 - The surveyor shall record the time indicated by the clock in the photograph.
10:48
